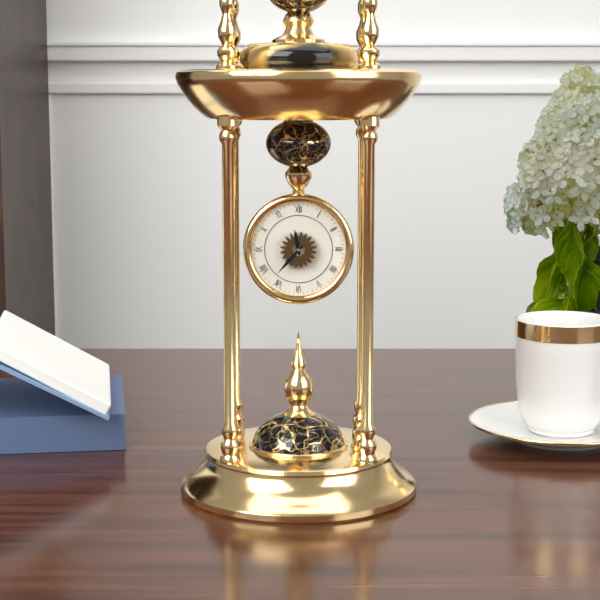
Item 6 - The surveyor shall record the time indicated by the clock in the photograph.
11:37
